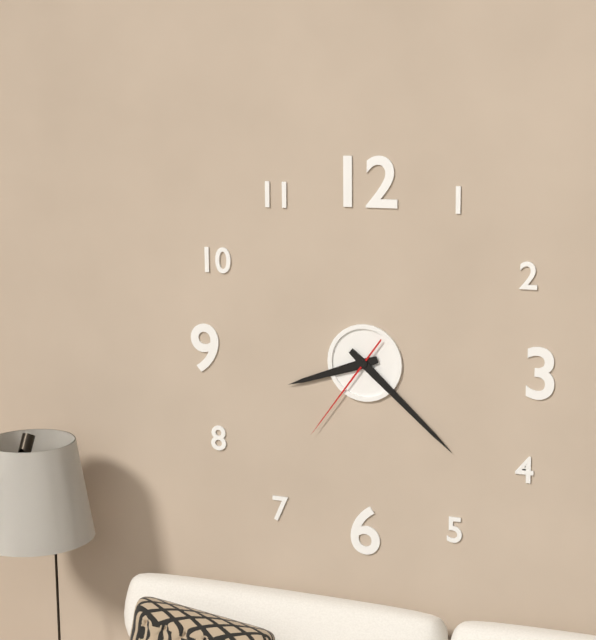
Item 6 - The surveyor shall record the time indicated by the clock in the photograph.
8:22:36
